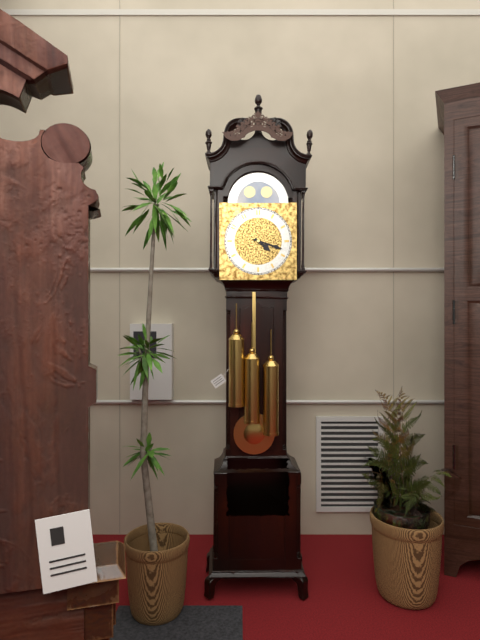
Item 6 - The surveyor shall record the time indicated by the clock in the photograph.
4:18
